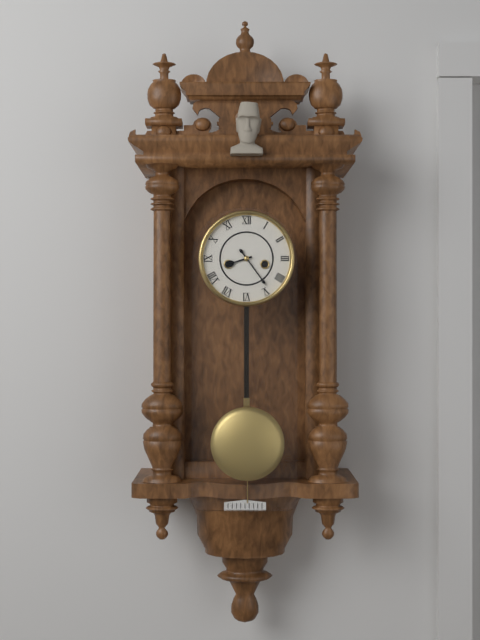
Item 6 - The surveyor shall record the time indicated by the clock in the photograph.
8:24
